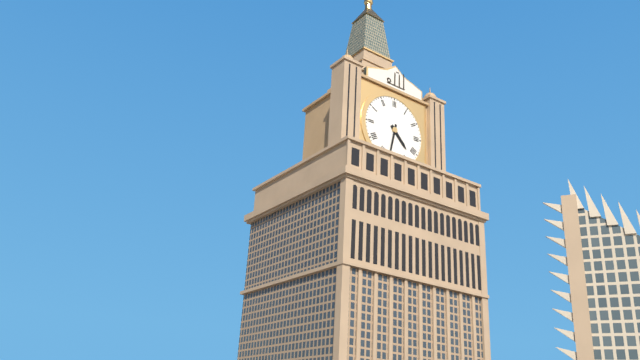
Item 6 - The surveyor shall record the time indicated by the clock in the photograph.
4:32
